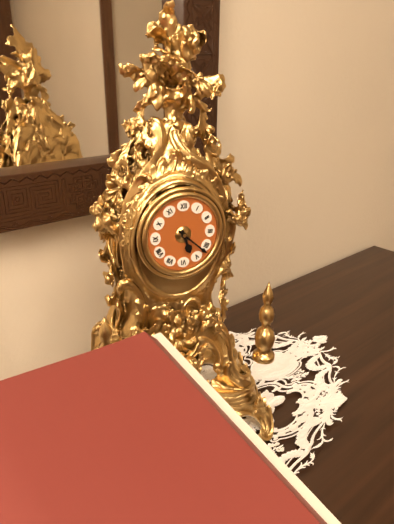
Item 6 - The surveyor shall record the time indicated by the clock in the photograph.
5:22
